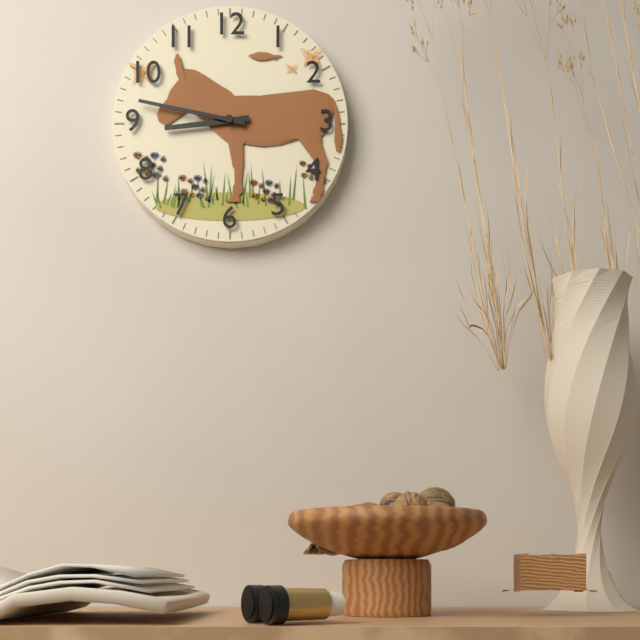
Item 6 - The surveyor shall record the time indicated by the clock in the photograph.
8:47
